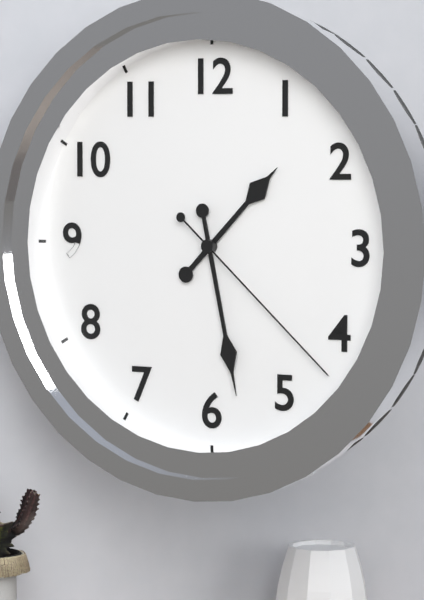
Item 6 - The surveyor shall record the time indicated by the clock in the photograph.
1:28:22
